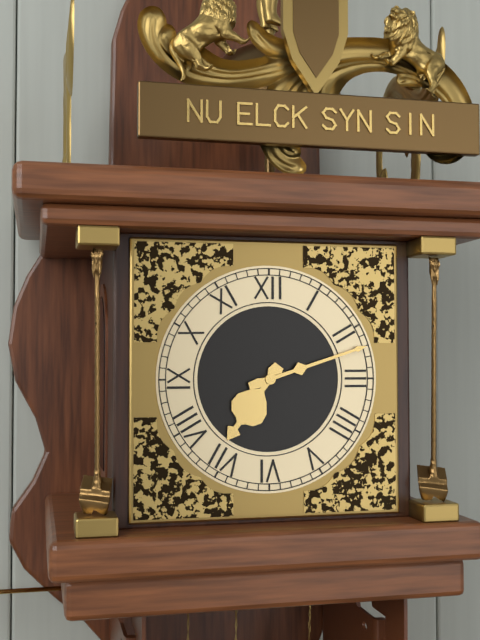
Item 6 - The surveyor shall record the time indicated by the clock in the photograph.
7:12
